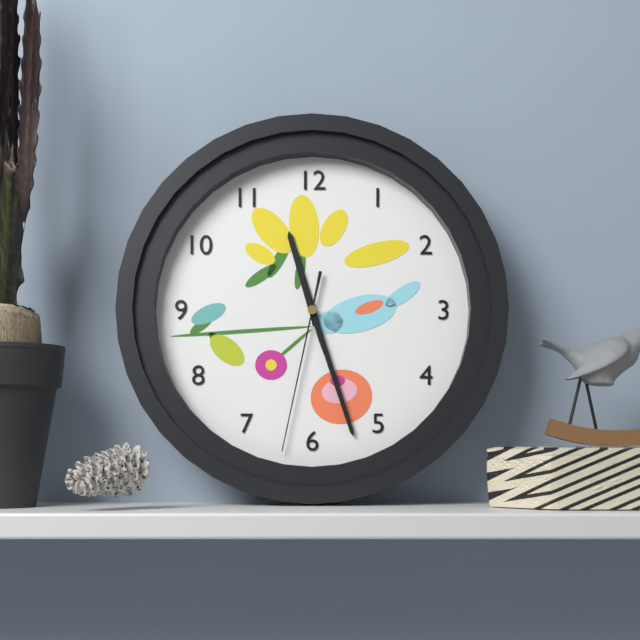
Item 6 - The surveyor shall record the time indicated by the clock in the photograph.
11:27:32
